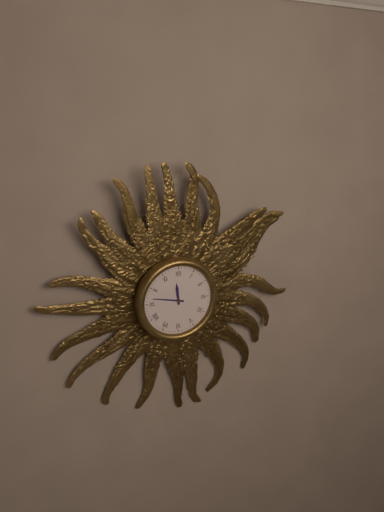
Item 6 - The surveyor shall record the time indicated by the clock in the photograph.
11:47
